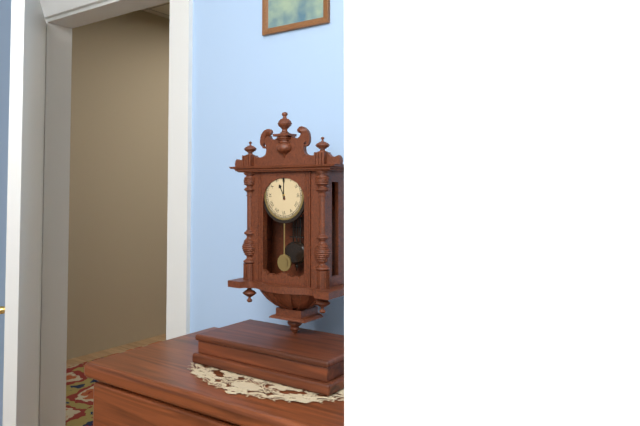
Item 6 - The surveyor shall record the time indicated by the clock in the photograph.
11:00
